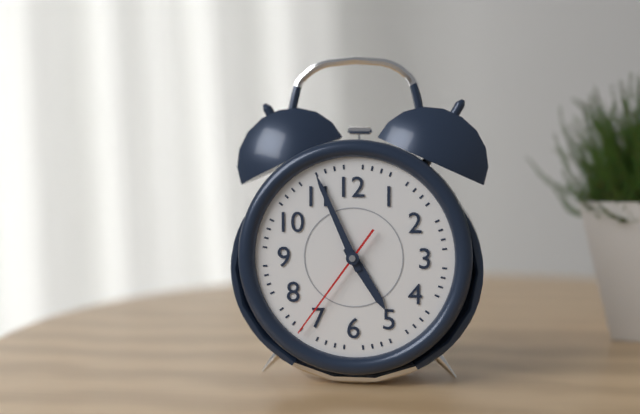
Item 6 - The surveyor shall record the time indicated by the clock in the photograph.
4:56:36
